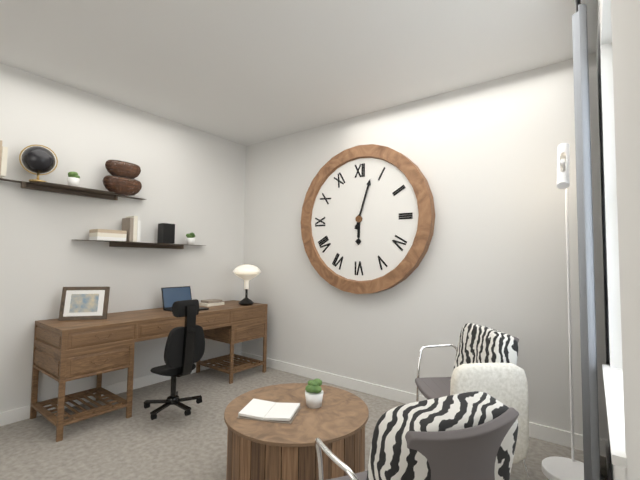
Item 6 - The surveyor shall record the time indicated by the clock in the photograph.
6:03
